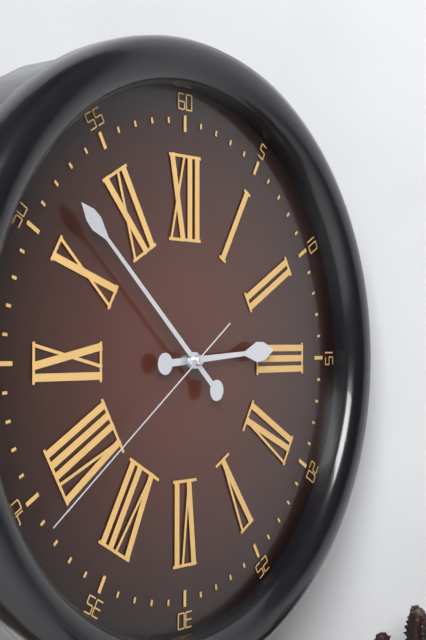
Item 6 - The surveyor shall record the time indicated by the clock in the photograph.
2:52:39
